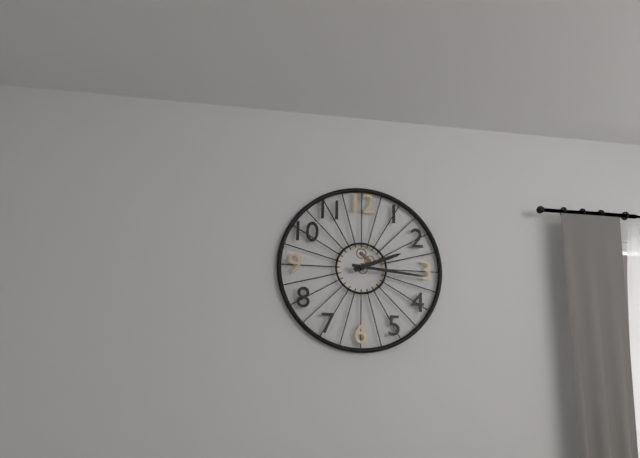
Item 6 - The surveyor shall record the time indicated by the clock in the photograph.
2:16
